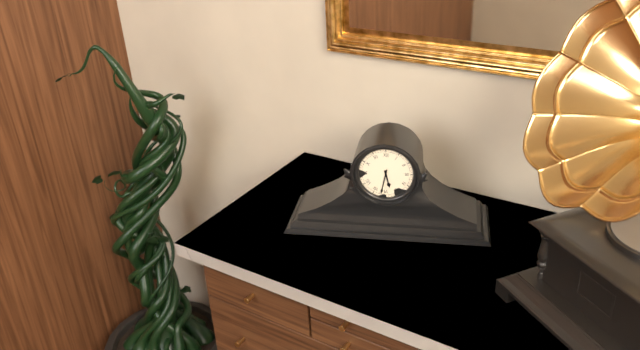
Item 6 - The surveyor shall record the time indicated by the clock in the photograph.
5:32
